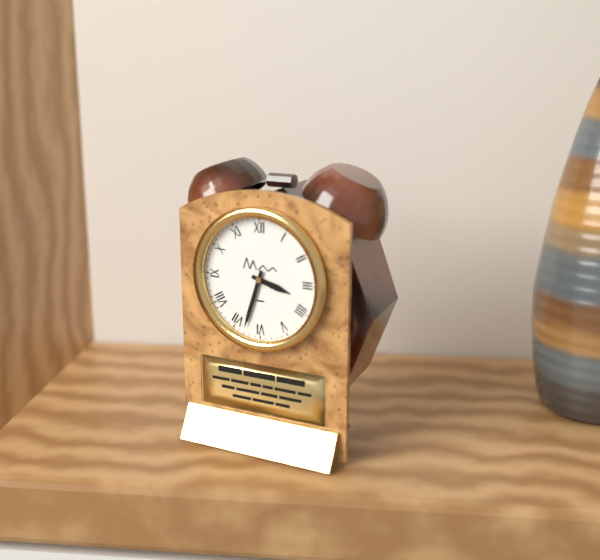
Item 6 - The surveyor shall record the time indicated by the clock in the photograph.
3:33
